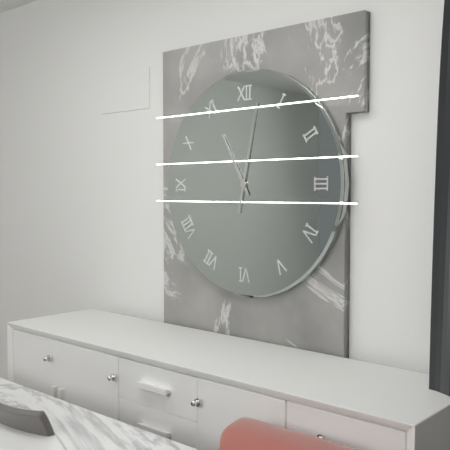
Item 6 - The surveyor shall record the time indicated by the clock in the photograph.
11:02
